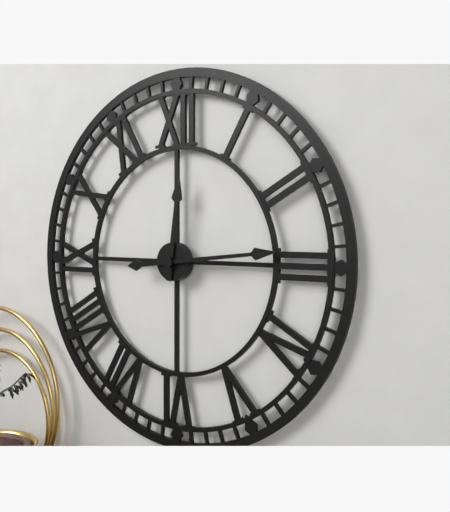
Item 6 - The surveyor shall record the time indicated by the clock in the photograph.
12:14
